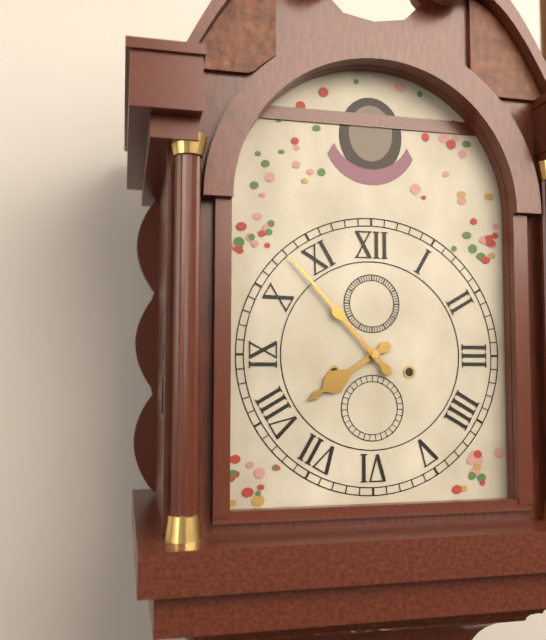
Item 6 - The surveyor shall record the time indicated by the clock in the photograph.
7:53
